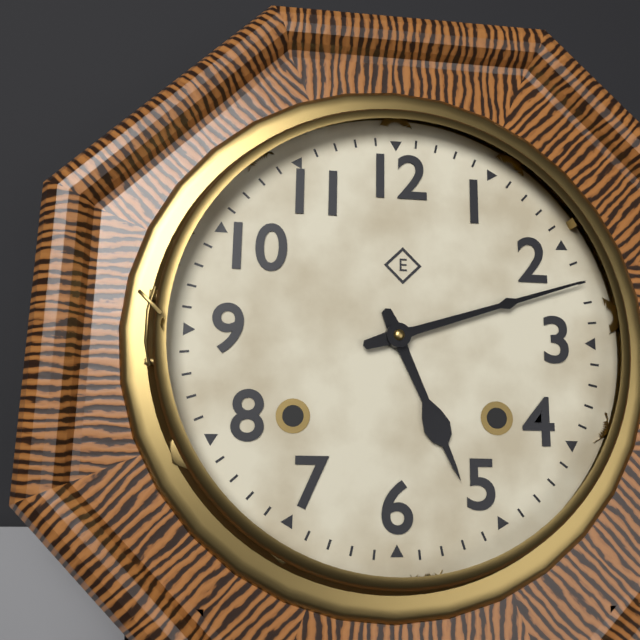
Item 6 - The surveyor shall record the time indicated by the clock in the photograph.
5:12
